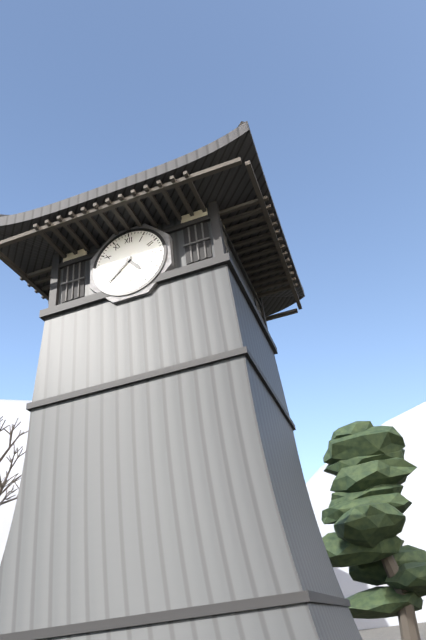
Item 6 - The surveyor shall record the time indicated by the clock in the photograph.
4:38
